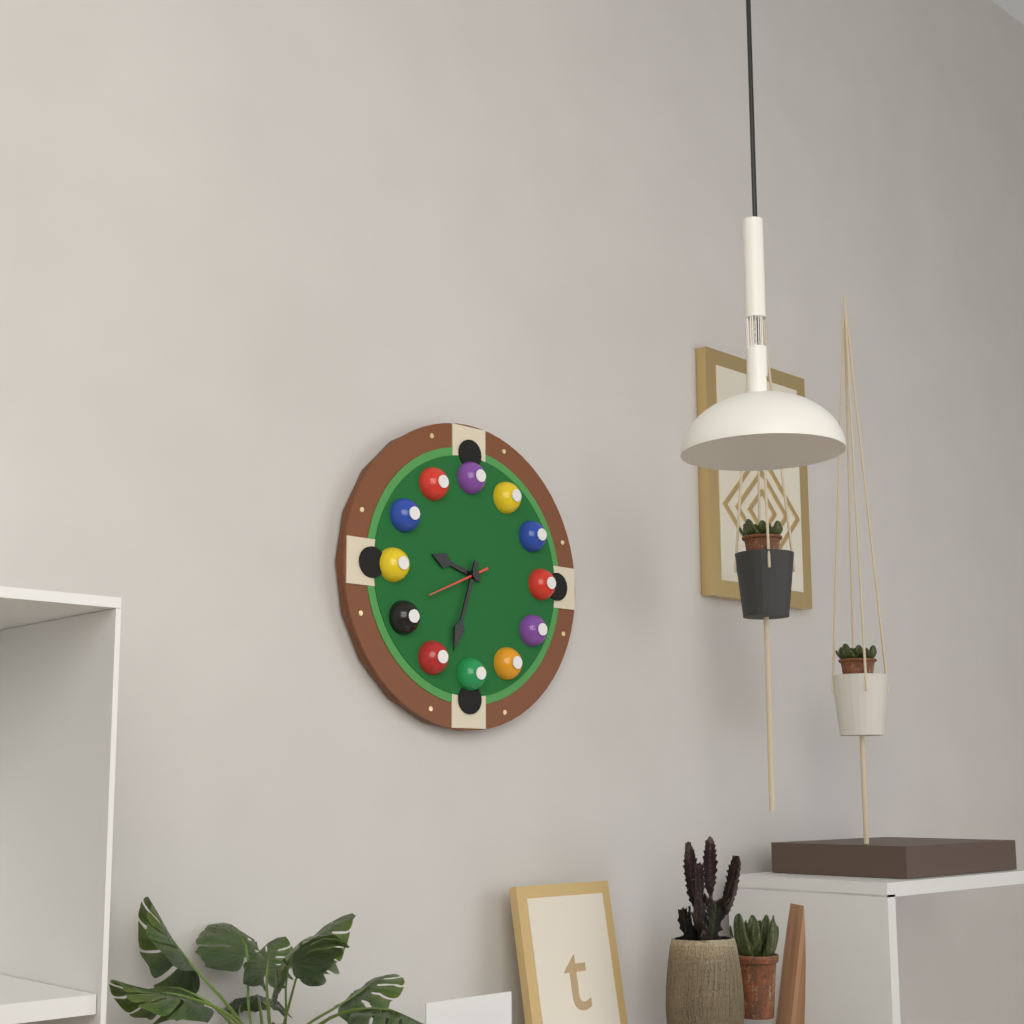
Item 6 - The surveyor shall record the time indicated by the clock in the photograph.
9:33:41
